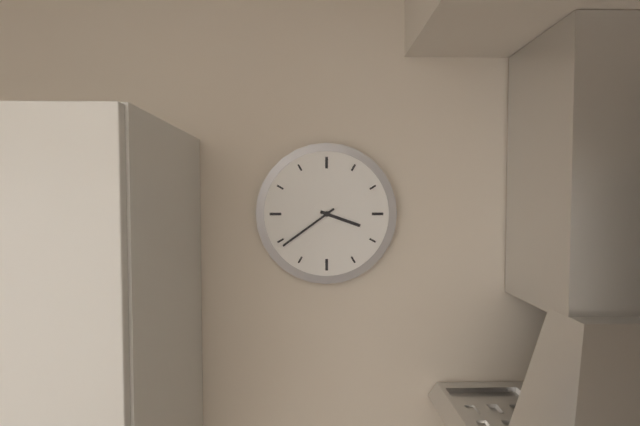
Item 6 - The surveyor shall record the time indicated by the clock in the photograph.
3:39
